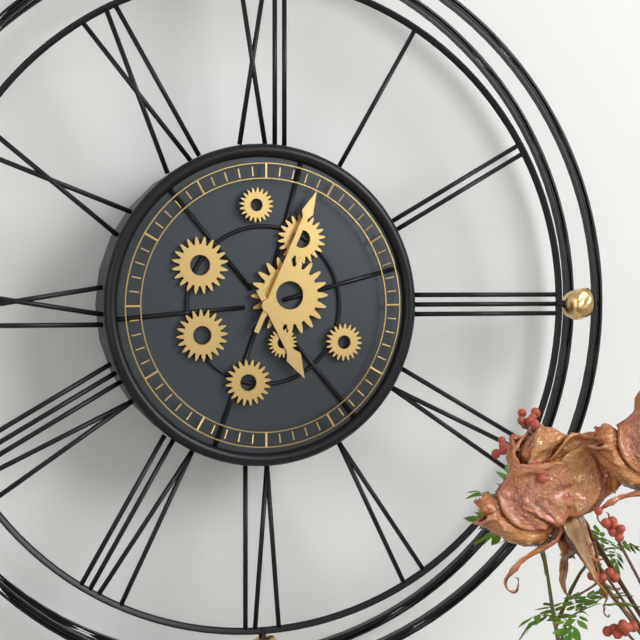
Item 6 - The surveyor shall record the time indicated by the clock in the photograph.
5:04
